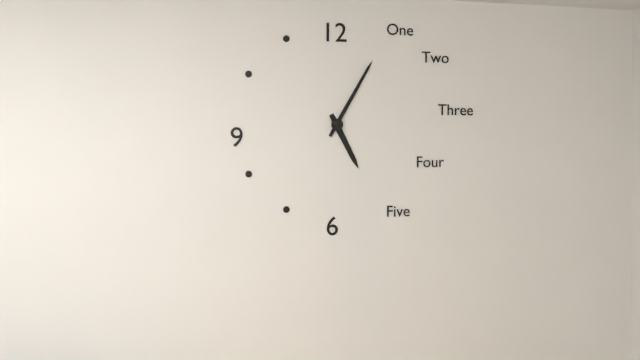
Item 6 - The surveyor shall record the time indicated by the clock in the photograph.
5:05
